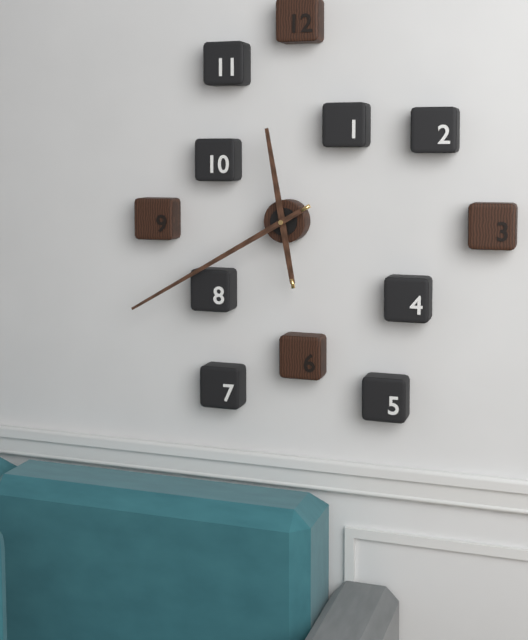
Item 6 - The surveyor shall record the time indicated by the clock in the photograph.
11:40
